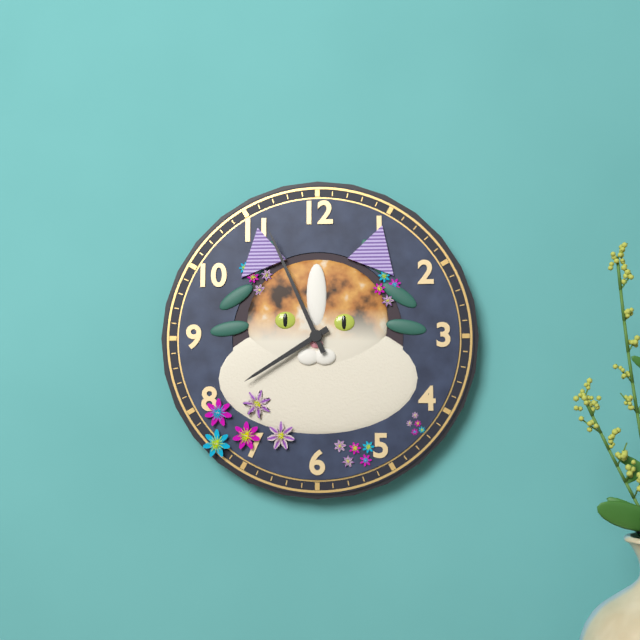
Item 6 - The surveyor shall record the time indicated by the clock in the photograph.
7:56
